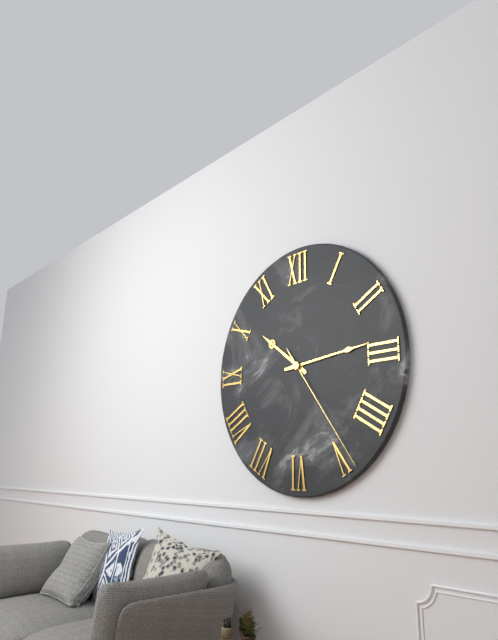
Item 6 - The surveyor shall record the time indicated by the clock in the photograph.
10:14:24
